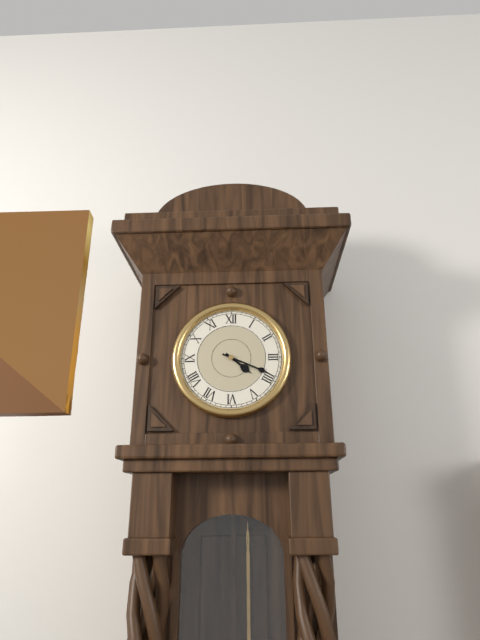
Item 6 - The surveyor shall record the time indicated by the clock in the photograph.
4:19
